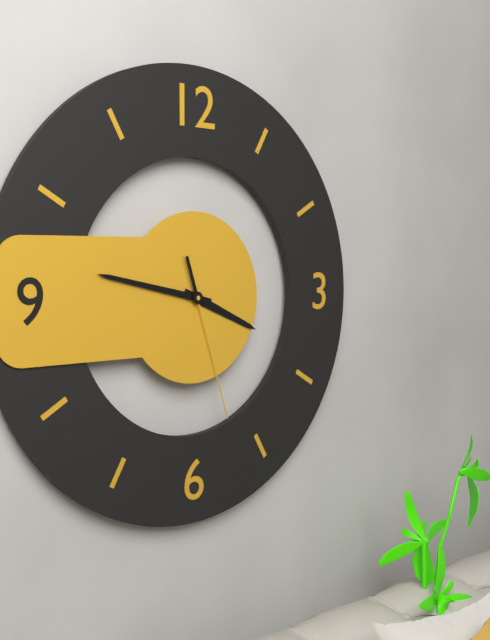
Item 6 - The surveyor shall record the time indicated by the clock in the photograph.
3:47:27
